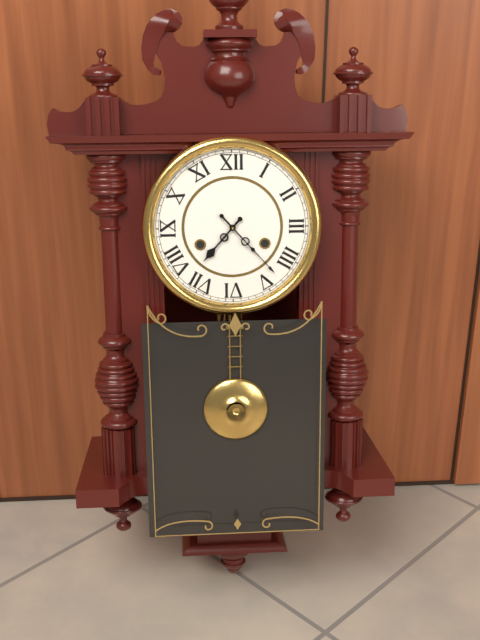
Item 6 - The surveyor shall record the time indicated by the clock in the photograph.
7:23
